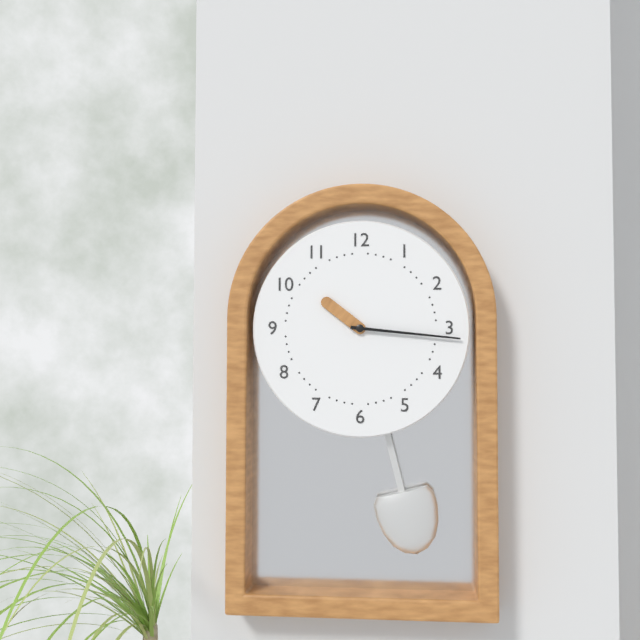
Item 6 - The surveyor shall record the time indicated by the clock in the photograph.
10:16
